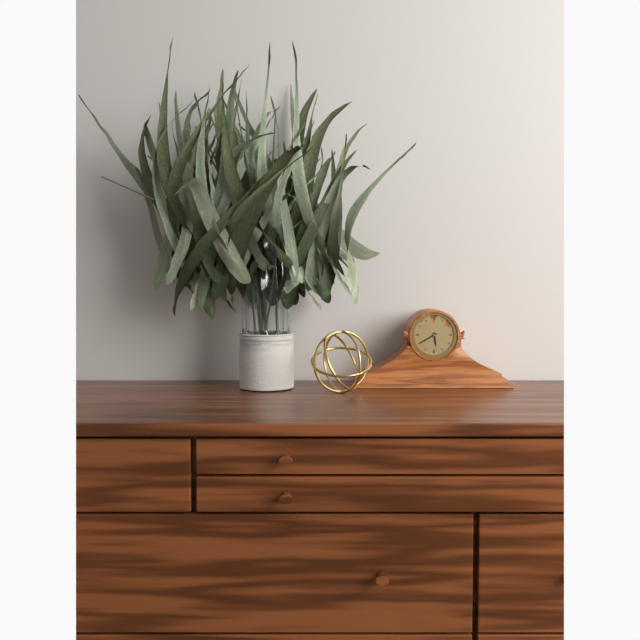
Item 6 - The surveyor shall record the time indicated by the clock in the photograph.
5:40
